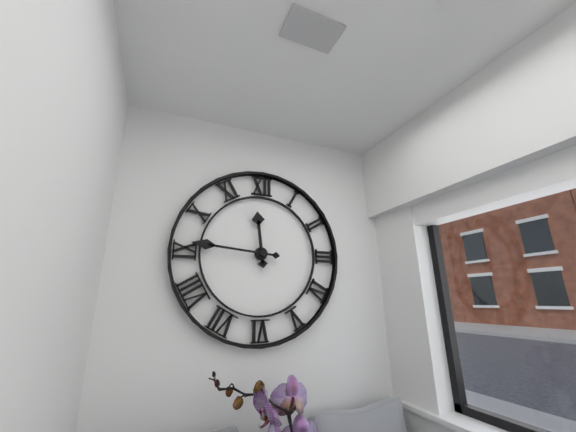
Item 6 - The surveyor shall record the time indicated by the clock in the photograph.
11:46
